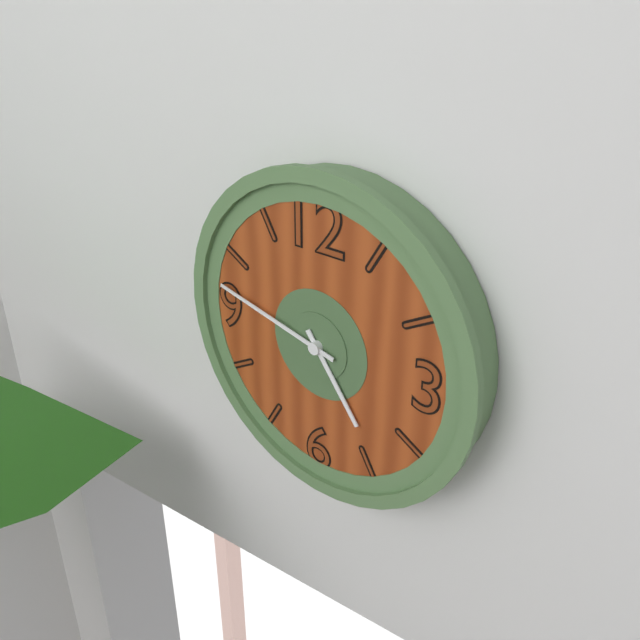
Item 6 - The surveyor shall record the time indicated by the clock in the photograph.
4:47
